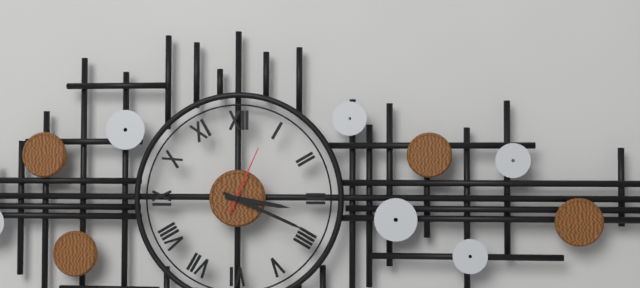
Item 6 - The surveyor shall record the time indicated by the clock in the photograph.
3:19:04
